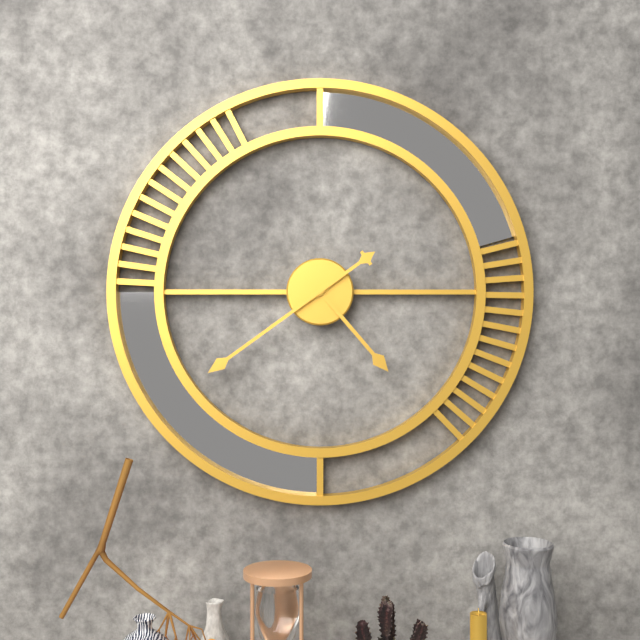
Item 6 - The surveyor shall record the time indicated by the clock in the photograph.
4:39
